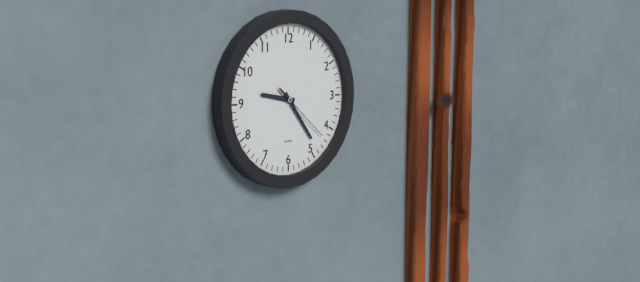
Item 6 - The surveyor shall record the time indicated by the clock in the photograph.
9:24:22
